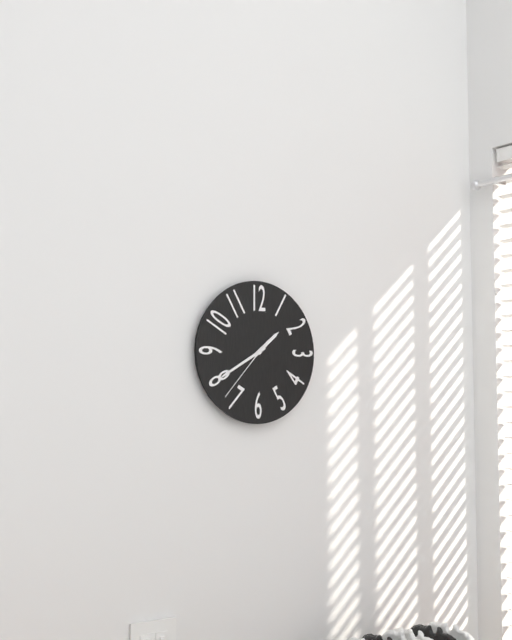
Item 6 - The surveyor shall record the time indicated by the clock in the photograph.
1:40:37
